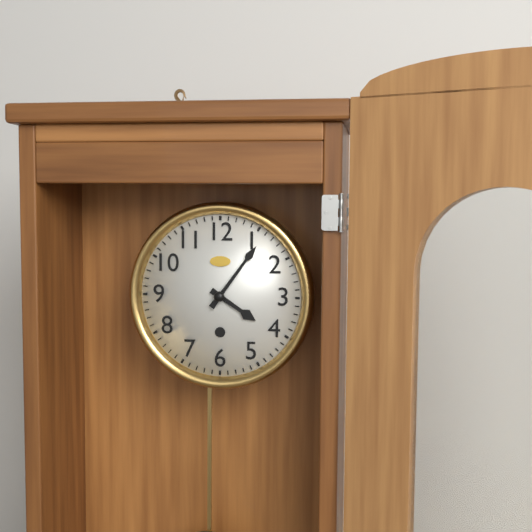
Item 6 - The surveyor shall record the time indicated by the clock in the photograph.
4:06
